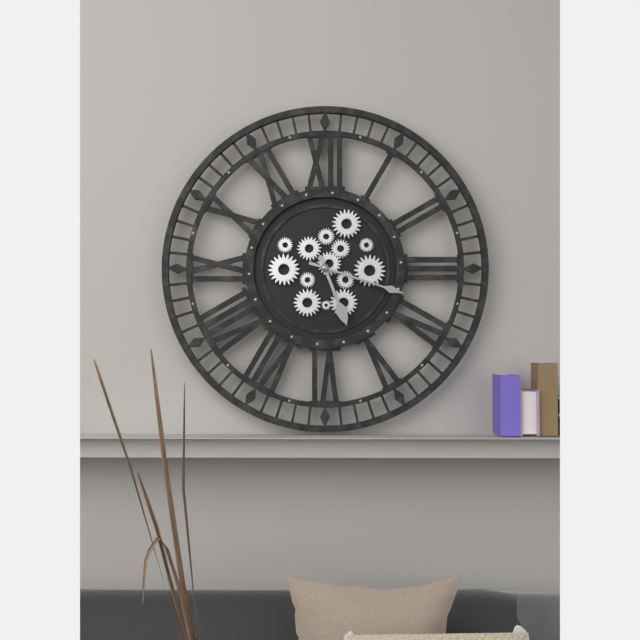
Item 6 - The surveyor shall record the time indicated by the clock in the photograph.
5:18
